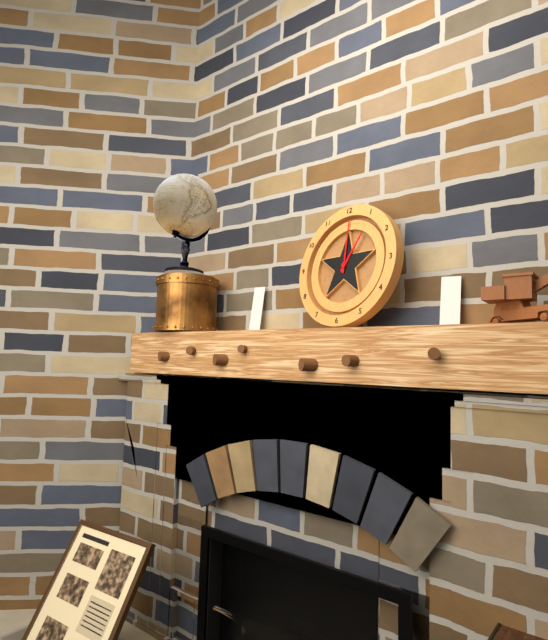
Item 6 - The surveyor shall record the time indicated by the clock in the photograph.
1:00
